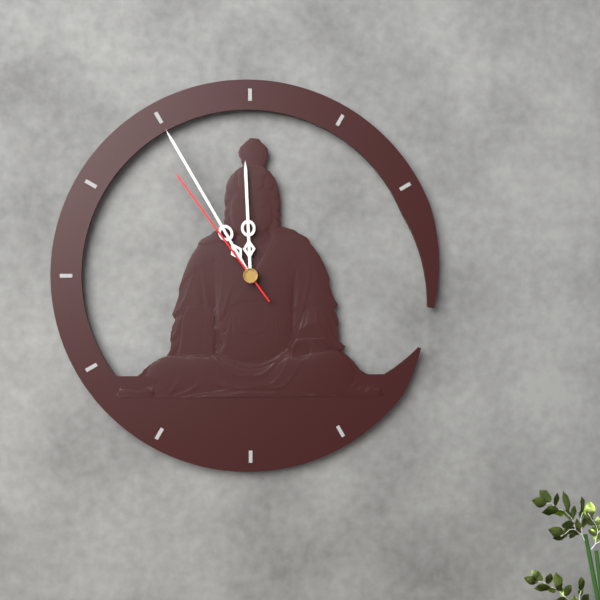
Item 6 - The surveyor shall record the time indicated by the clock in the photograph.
11:55:54
